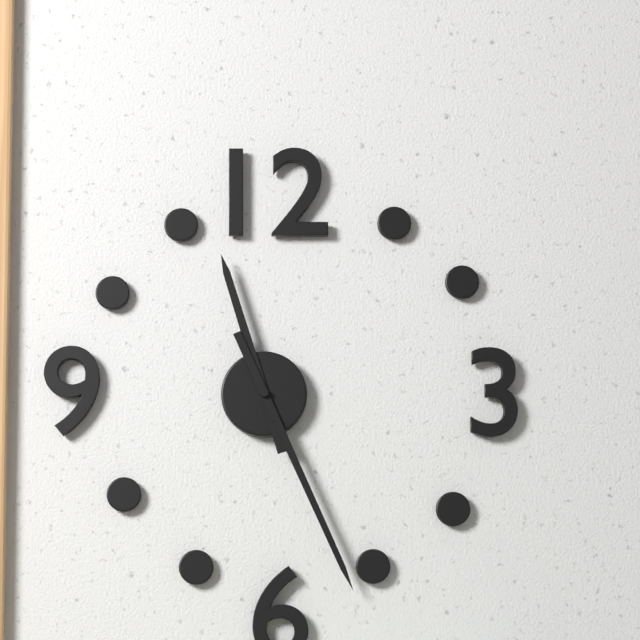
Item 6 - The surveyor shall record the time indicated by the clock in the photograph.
11:26
